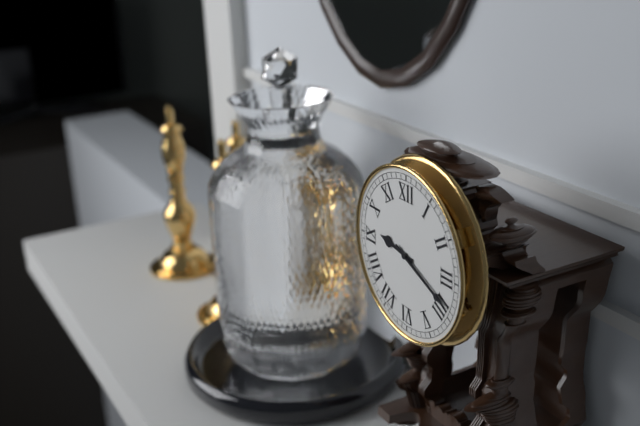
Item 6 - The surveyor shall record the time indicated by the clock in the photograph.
9:19
